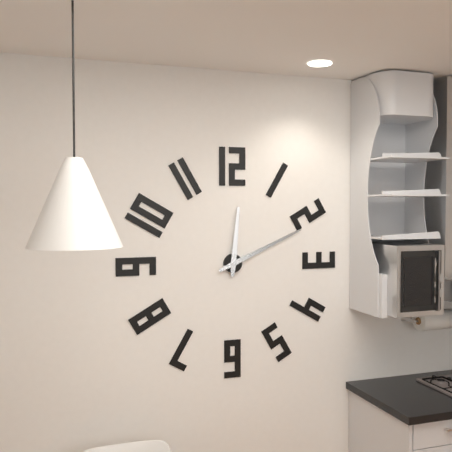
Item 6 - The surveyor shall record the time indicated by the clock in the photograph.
12:11
